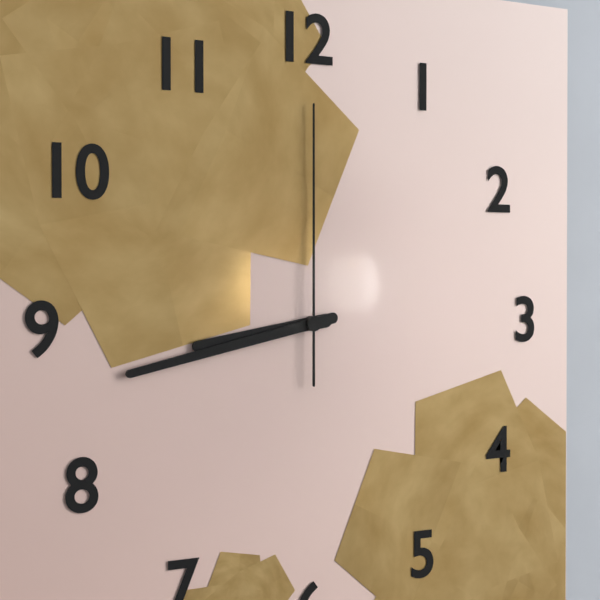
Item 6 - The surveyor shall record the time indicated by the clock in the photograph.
8:43:00
